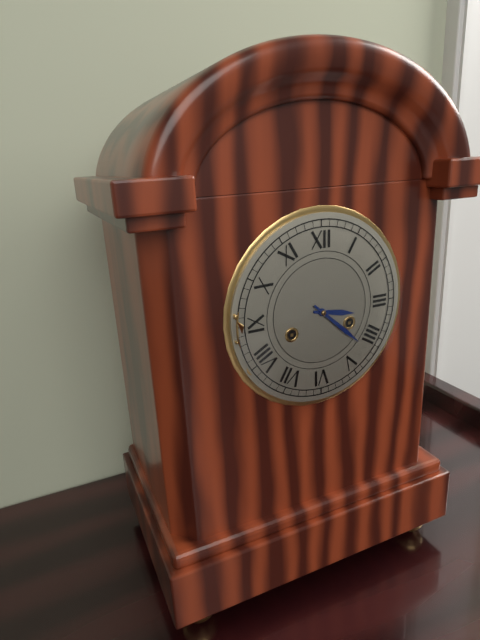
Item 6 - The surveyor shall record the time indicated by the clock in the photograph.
3:22
